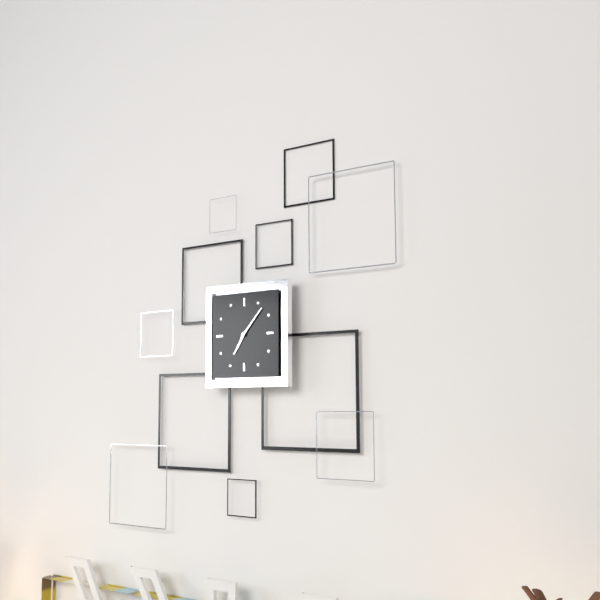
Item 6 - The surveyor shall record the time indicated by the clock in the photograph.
7:07
